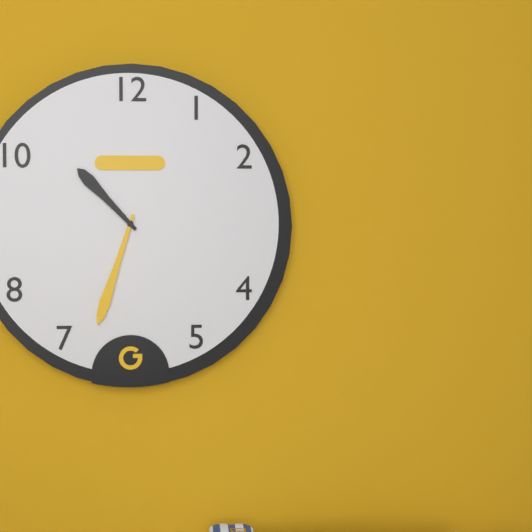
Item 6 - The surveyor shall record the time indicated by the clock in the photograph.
10:33
